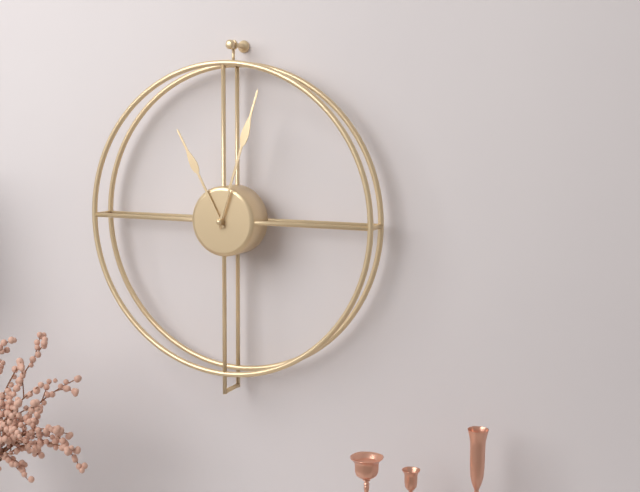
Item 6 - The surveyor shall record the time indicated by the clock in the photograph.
11:03
